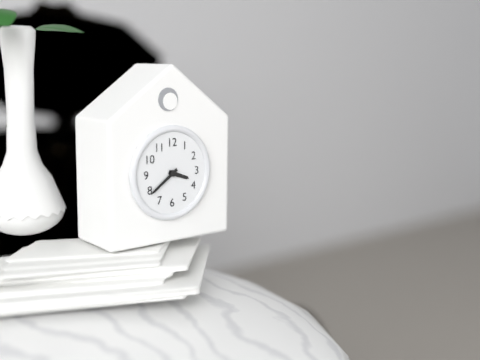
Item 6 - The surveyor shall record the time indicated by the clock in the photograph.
3:39
